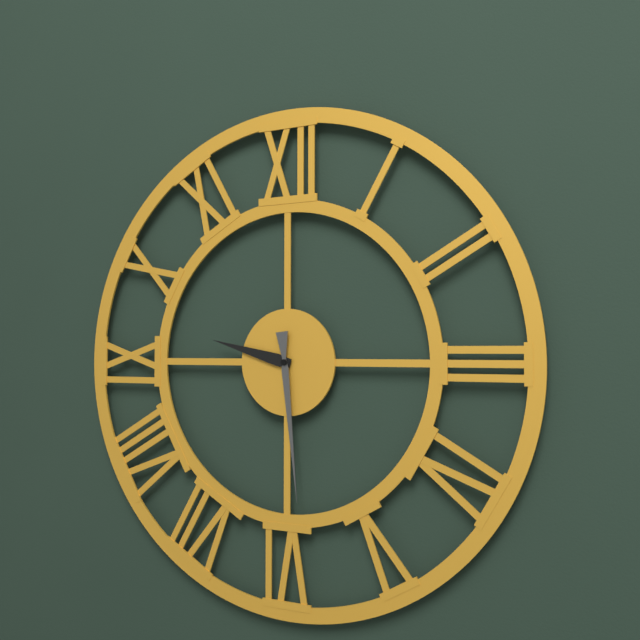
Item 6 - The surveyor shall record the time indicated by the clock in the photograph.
9:29
